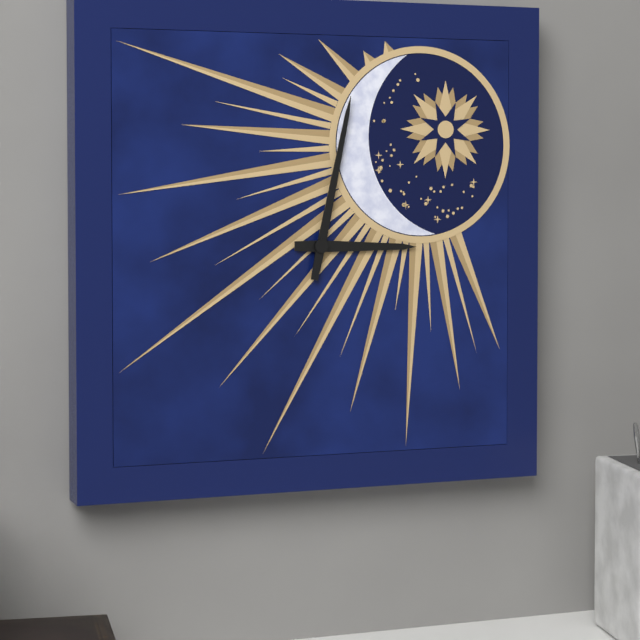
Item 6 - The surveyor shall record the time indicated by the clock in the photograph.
3:02
